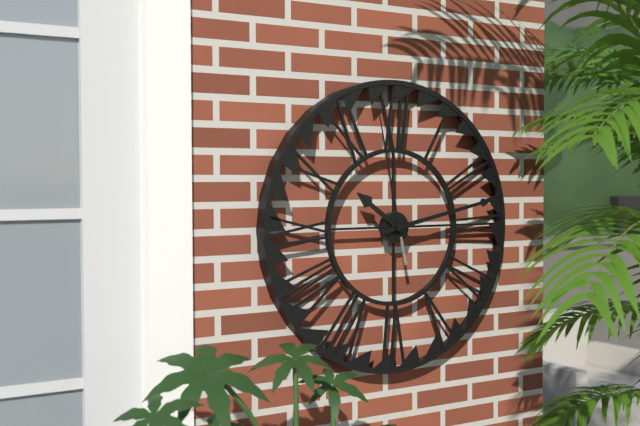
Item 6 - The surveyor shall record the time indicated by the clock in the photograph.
10:13:58
